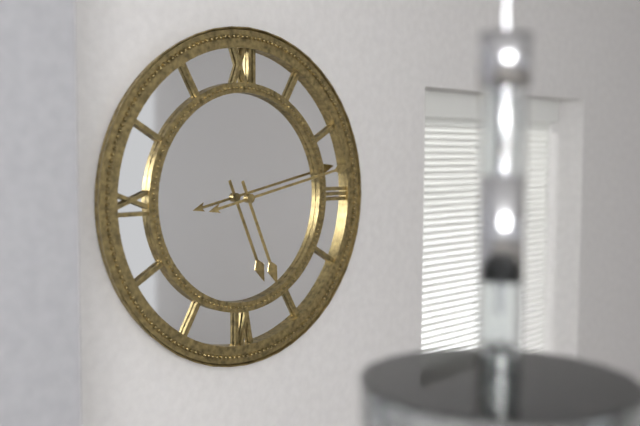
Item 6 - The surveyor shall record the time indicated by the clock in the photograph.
5:13
